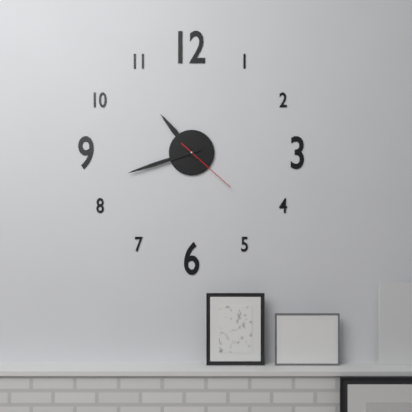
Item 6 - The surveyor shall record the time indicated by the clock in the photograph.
10:42:22
